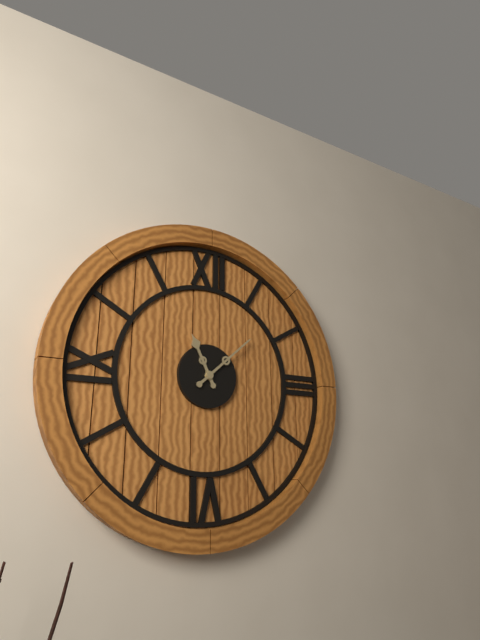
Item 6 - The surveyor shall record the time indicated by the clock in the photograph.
11:08
